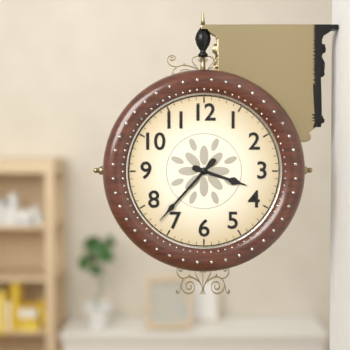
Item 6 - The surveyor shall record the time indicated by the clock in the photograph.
3:37
